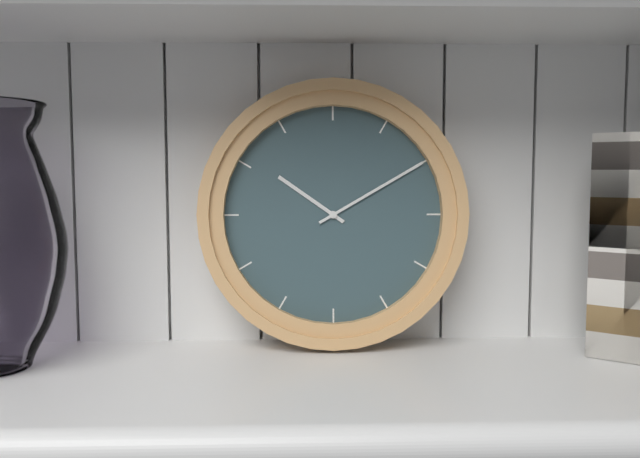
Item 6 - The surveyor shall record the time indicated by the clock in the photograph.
10:10
